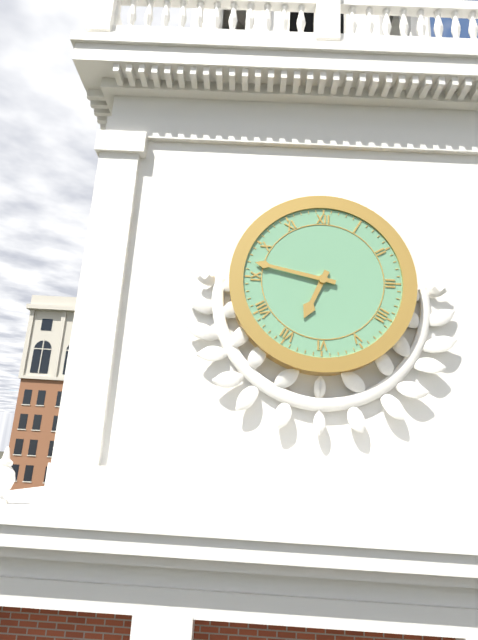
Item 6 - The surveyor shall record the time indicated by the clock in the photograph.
6:47
